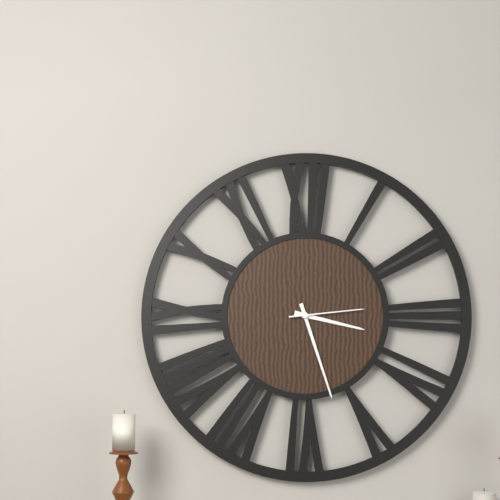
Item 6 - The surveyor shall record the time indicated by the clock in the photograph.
3:27:14
